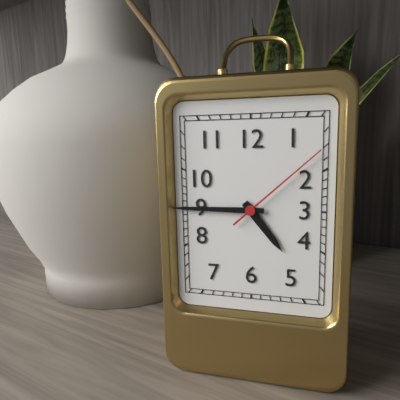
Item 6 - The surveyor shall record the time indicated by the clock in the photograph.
4:45:08
